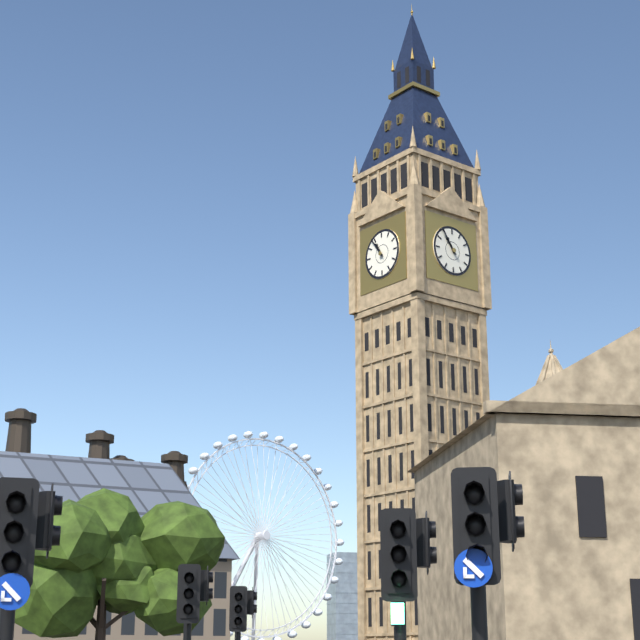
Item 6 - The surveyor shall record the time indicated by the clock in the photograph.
10:54
